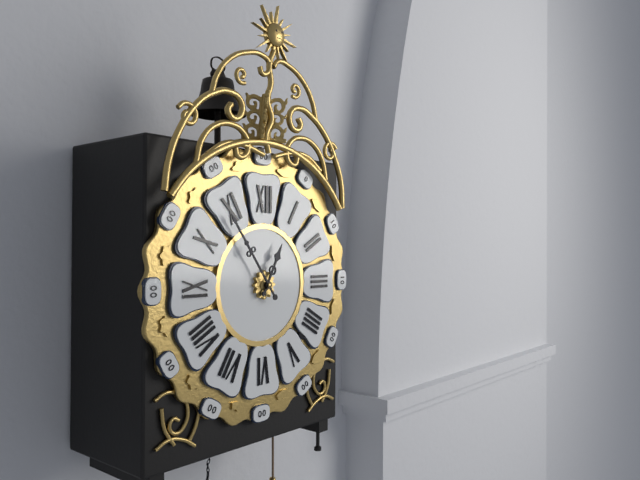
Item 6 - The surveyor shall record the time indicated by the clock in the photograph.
12:54
